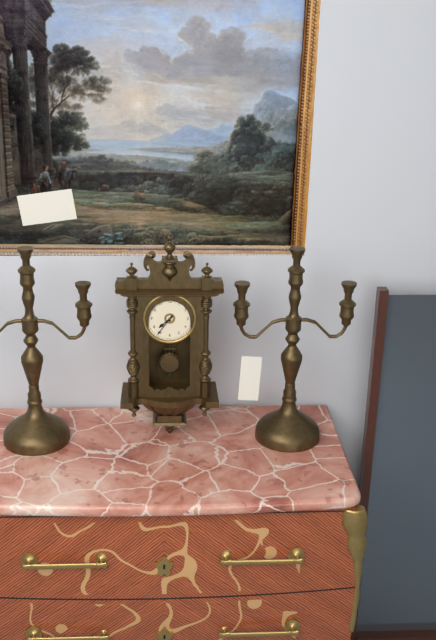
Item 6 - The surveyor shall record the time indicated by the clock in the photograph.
7:36
